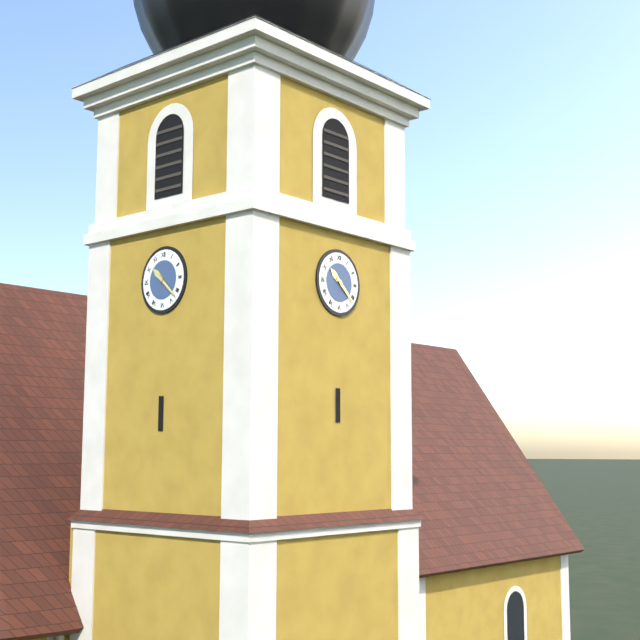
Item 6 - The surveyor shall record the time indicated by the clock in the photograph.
10:22
